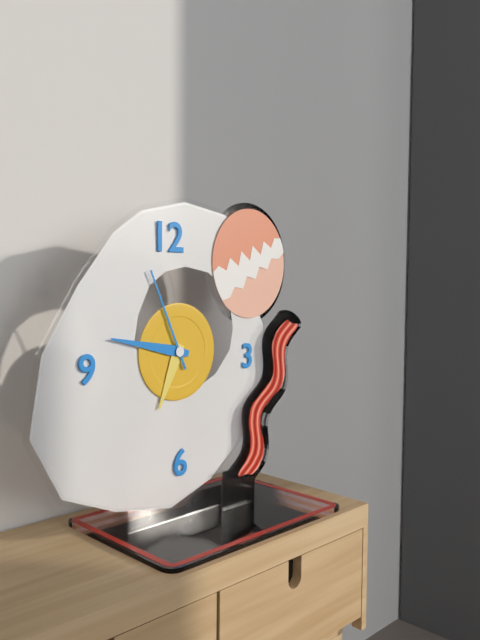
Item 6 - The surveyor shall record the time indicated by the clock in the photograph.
6:47:56
